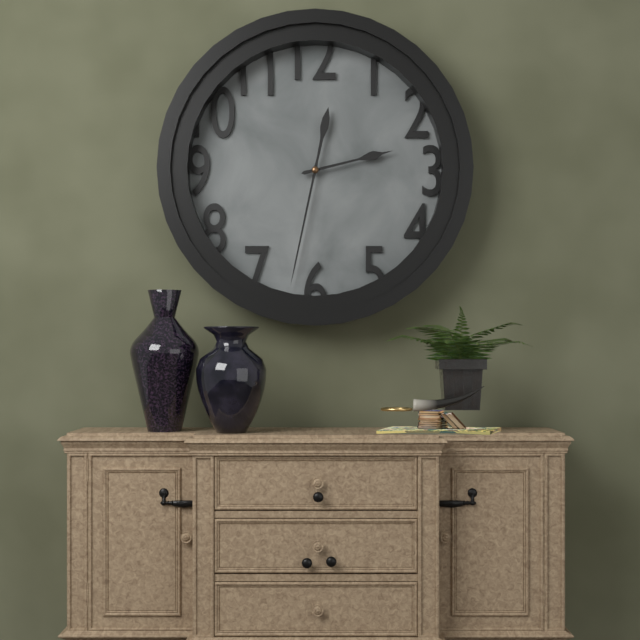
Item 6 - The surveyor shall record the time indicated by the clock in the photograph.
2:32
